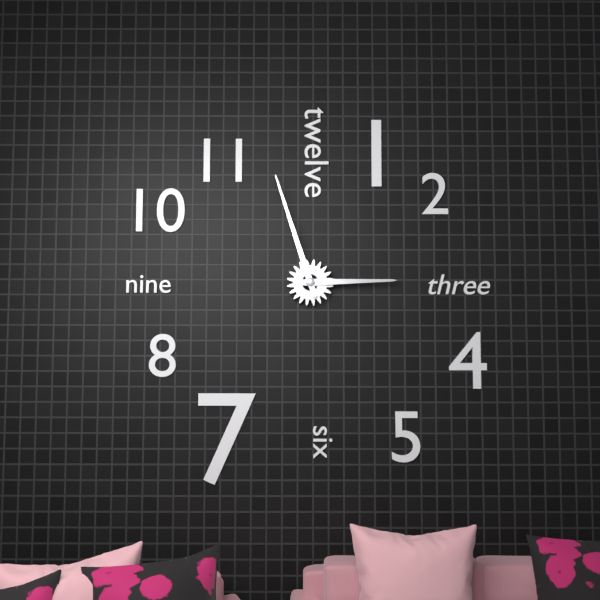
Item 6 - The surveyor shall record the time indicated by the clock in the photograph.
2:57
